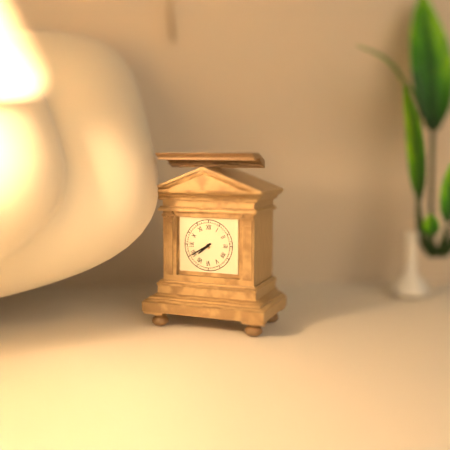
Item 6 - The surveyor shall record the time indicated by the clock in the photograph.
7:40
